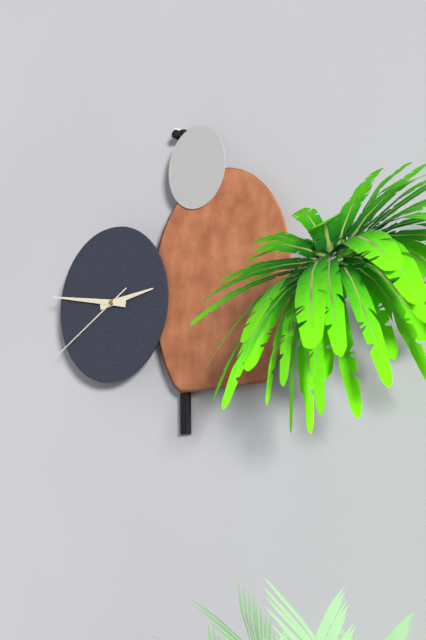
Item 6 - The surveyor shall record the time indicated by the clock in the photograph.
2:47:40
